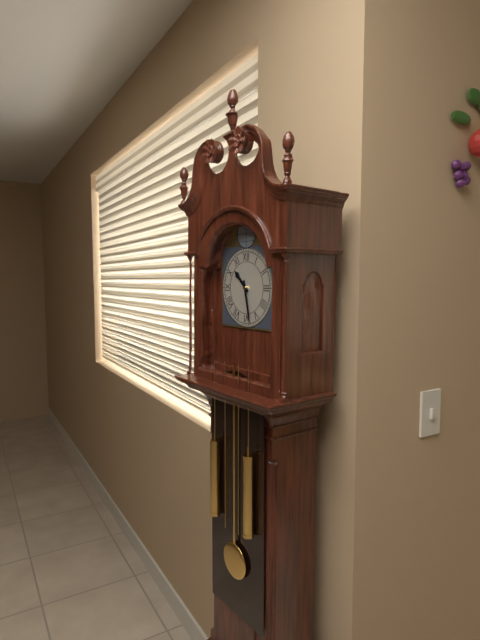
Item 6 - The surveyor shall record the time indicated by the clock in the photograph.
10:28
